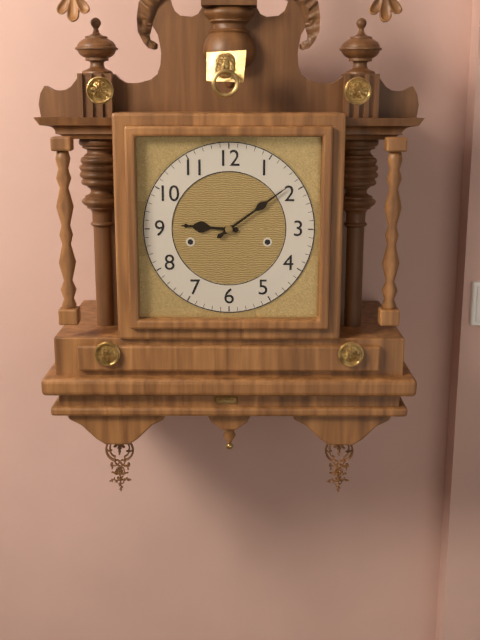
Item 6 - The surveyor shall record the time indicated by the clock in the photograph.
9:09
